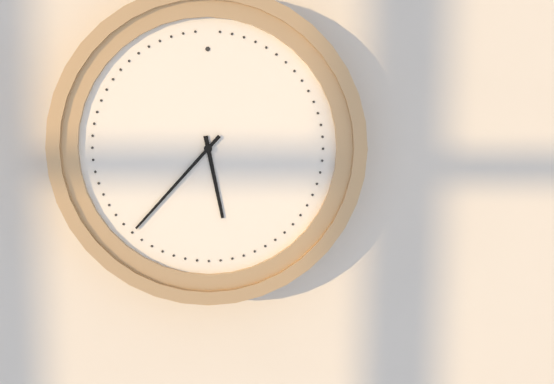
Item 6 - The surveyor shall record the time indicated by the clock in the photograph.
5:37
